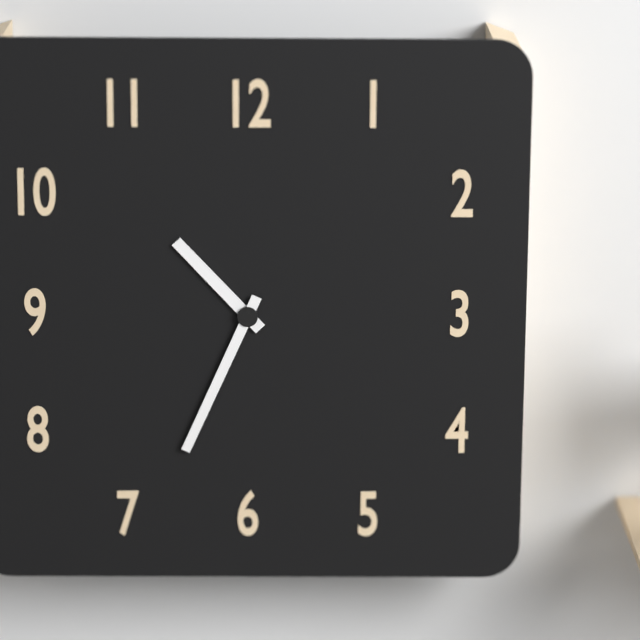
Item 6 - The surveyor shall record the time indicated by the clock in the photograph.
10:34
